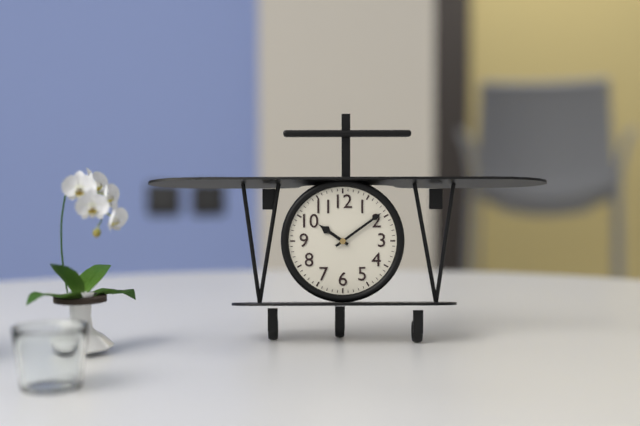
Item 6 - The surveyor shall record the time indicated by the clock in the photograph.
10:09
